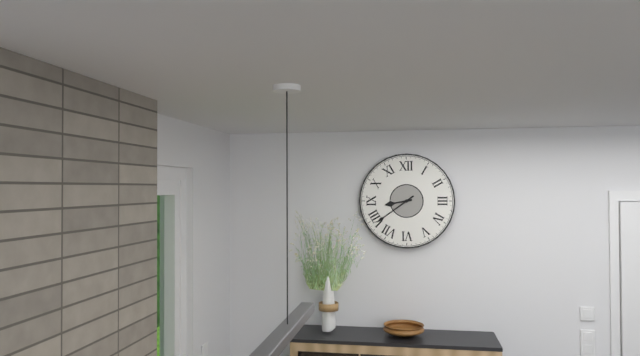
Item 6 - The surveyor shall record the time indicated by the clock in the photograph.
8:39
